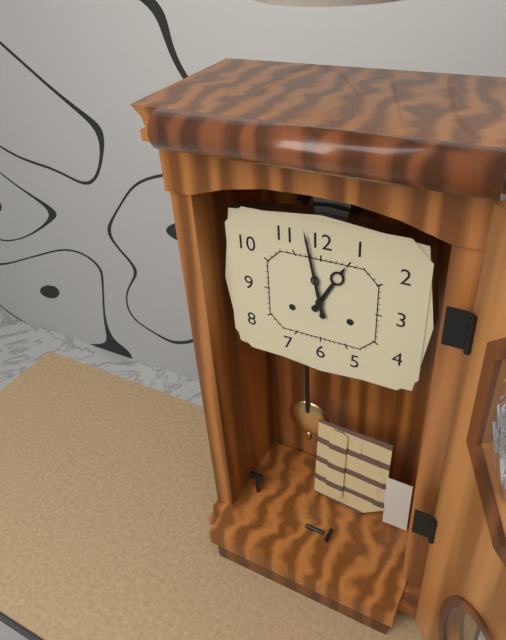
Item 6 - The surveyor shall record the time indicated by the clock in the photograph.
12:58
